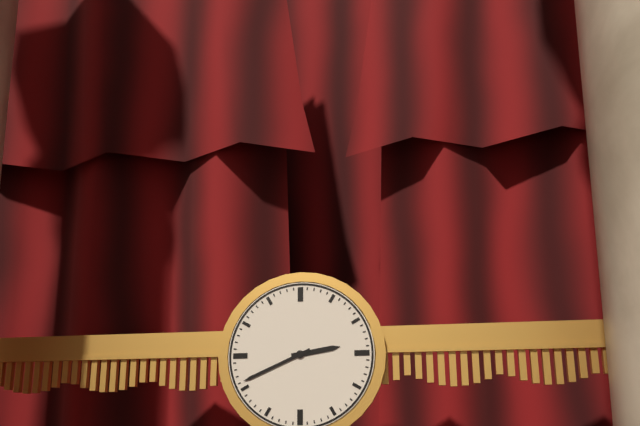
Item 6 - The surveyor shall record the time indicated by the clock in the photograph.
2:41
